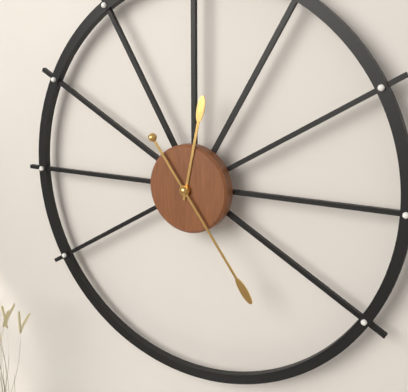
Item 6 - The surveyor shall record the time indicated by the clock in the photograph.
12:24
